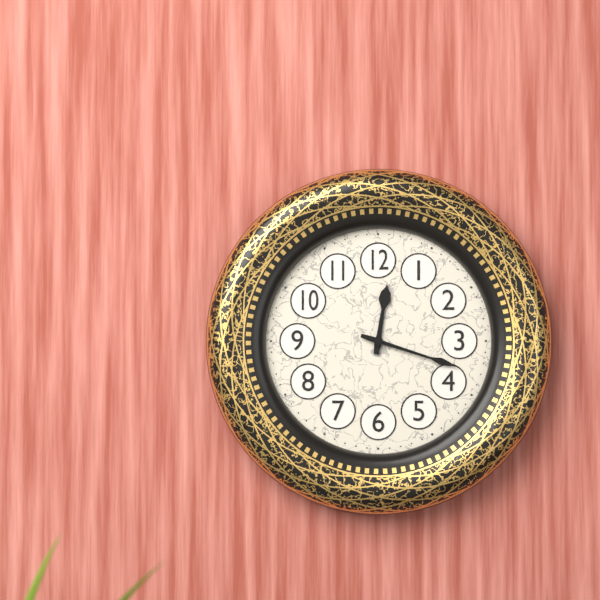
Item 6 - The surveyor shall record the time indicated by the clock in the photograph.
12:18
